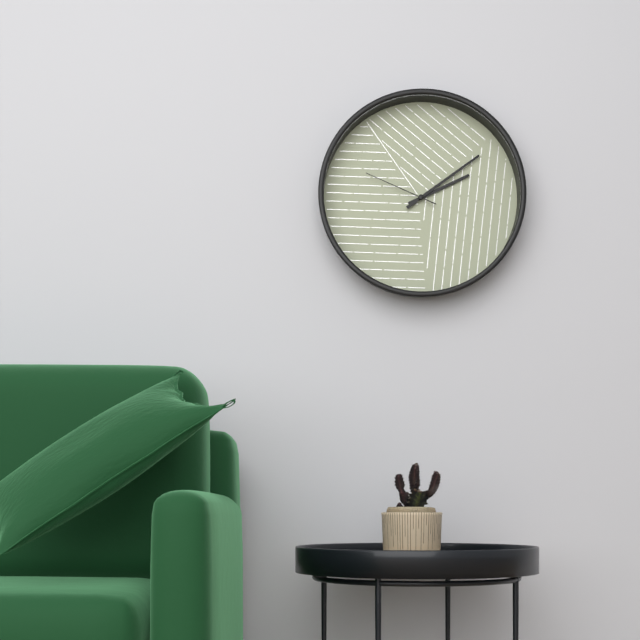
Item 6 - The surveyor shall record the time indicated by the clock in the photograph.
2:09:49
